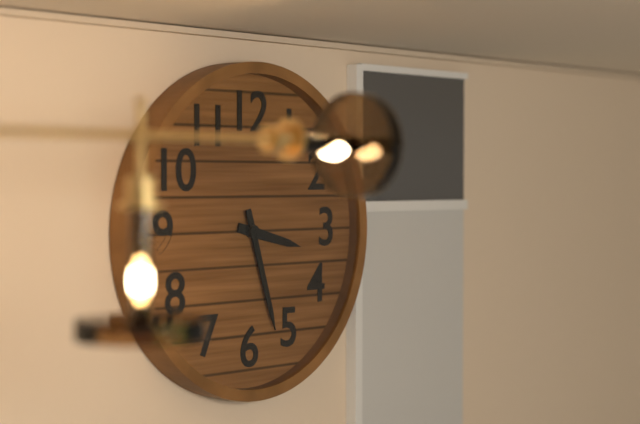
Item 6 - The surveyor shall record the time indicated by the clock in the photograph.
3:27
